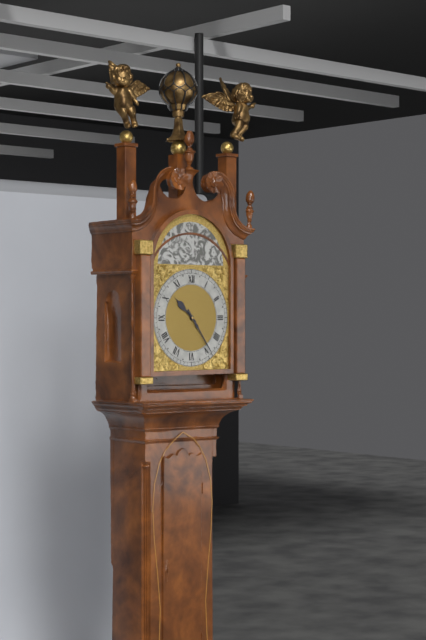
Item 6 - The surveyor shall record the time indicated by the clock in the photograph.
10:24
